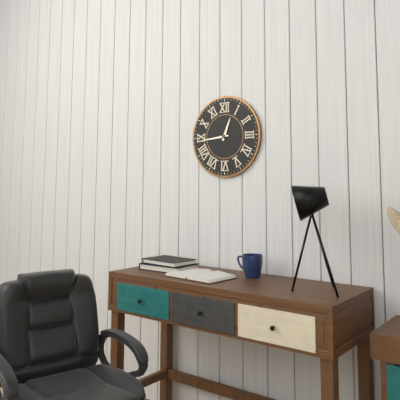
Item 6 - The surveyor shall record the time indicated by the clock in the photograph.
12:44
